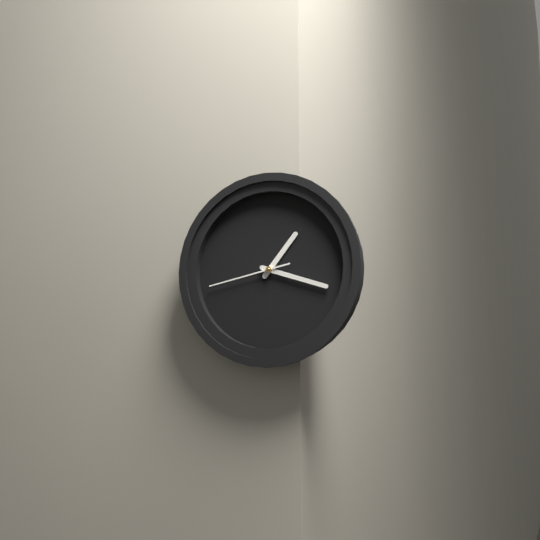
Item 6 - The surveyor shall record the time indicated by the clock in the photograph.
1:18:43
